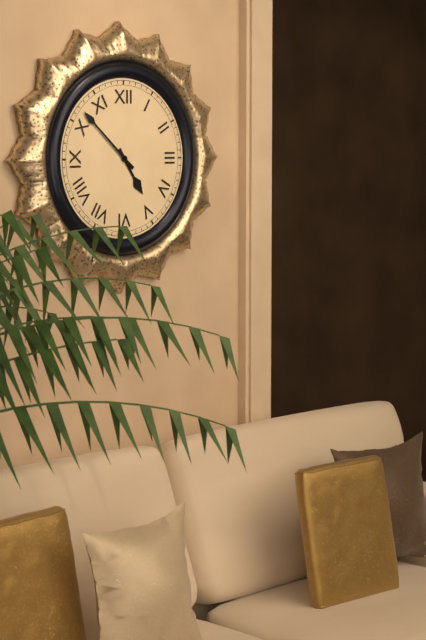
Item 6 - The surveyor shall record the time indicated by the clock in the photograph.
4:52
